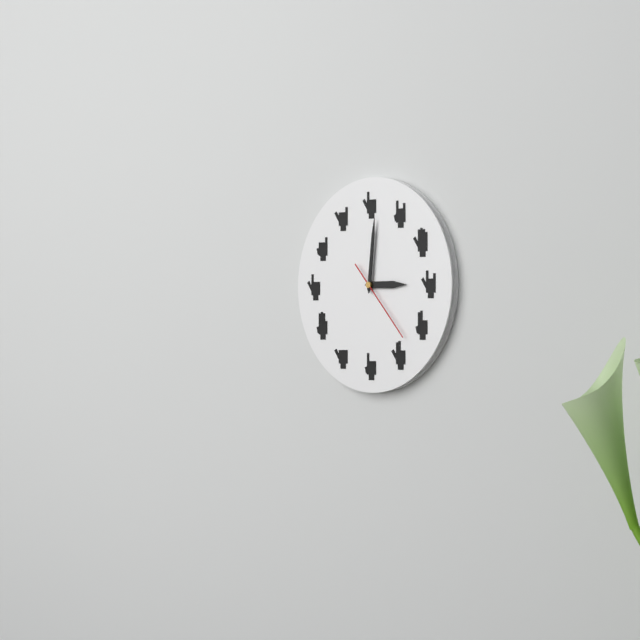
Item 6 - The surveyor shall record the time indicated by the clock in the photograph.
3:01:23
